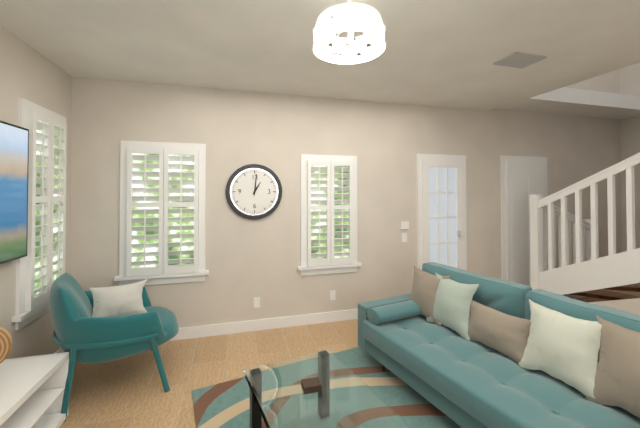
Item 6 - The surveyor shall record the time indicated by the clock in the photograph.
1:01
